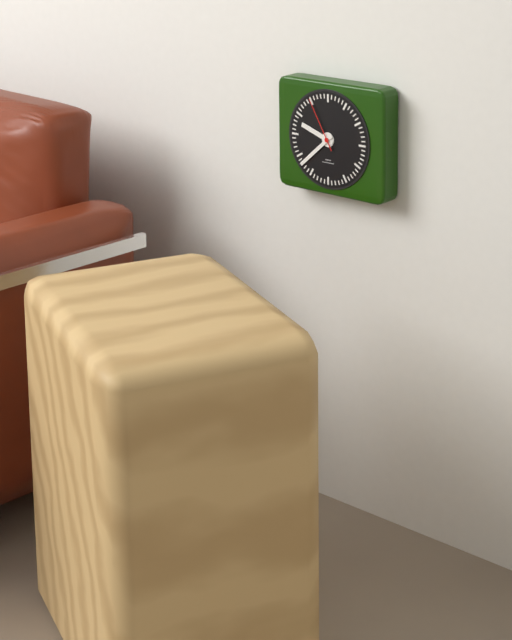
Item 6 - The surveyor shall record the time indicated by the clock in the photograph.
9:38:55
